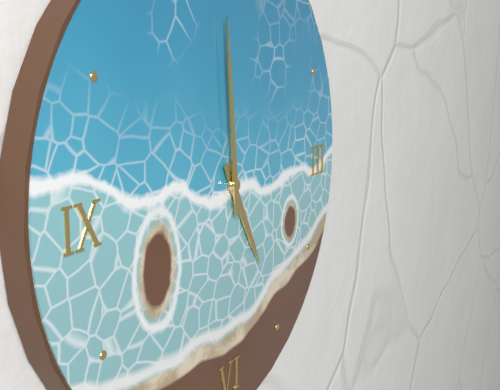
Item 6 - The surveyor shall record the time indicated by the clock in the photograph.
4:59
